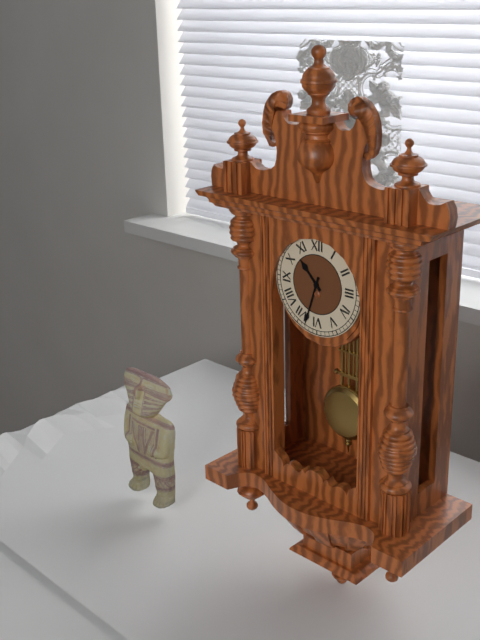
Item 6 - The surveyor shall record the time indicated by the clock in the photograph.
10:33
